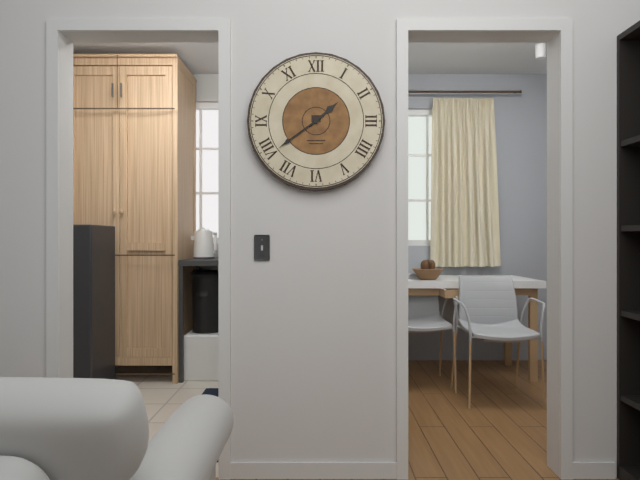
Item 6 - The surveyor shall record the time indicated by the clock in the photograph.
1:39
